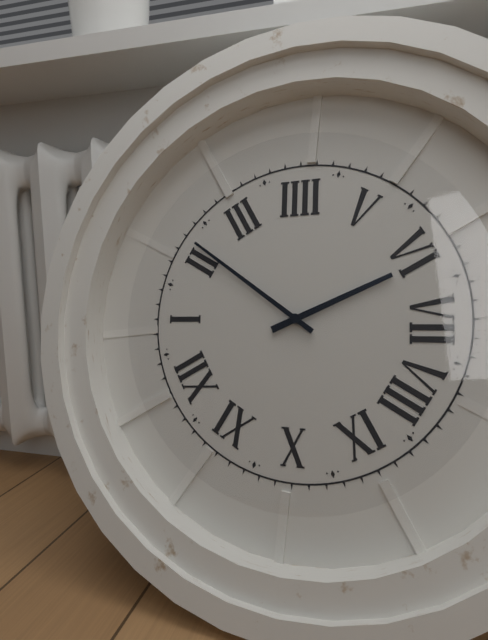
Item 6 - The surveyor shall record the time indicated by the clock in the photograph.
6:11
